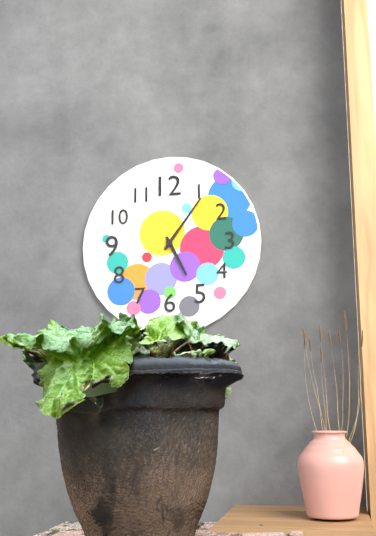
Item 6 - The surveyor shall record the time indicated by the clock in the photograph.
5:06
